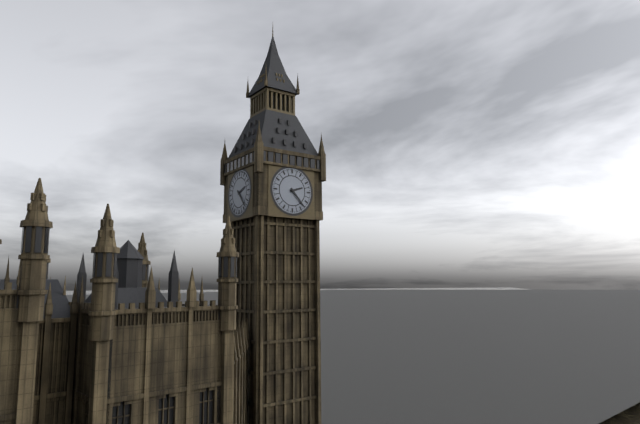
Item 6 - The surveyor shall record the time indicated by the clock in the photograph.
2:23
